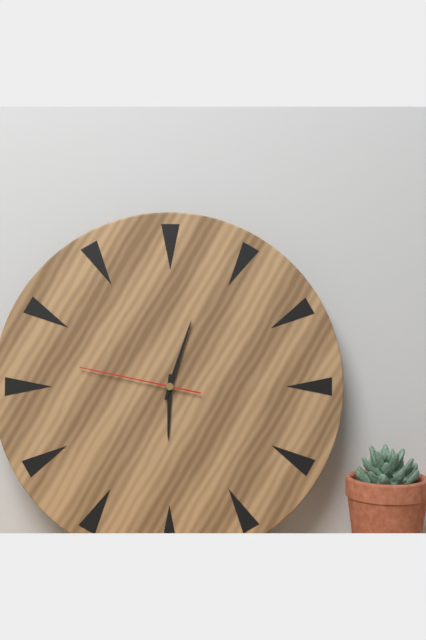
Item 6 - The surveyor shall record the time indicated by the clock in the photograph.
6:03:47
